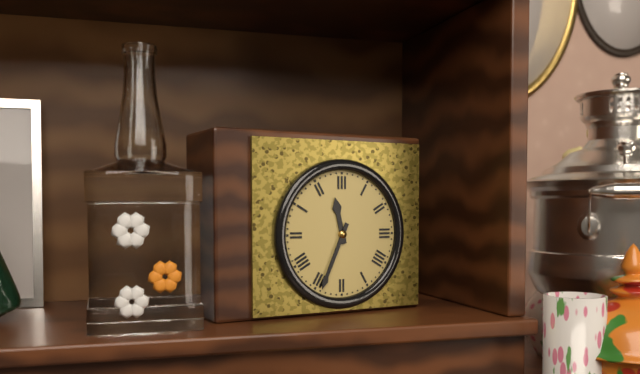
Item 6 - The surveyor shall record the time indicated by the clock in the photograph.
11:34
